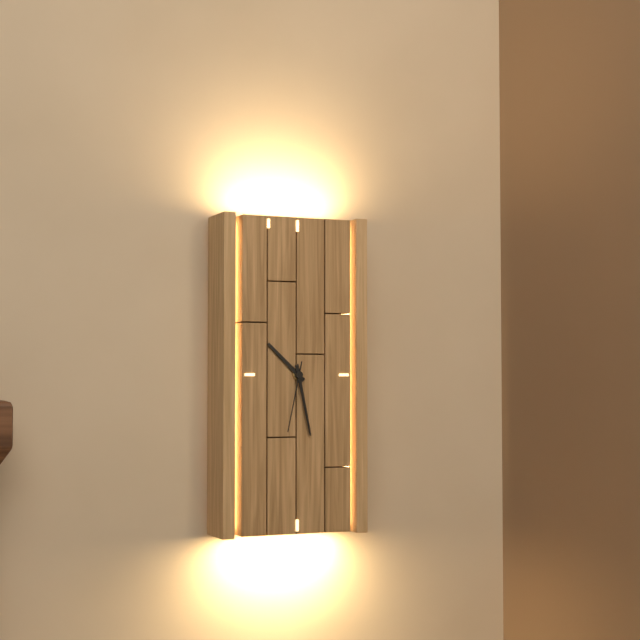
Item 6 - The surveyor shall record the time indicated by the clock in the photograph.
10:28:32
